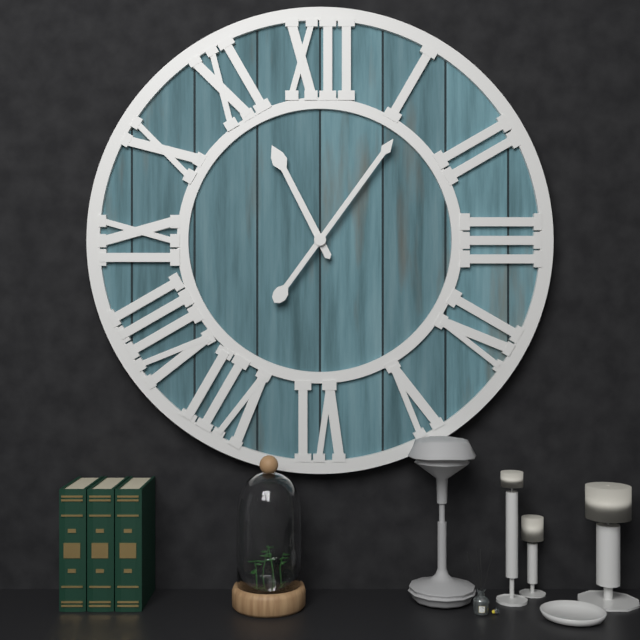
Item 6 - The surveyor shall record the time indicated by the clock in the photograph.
11:06
